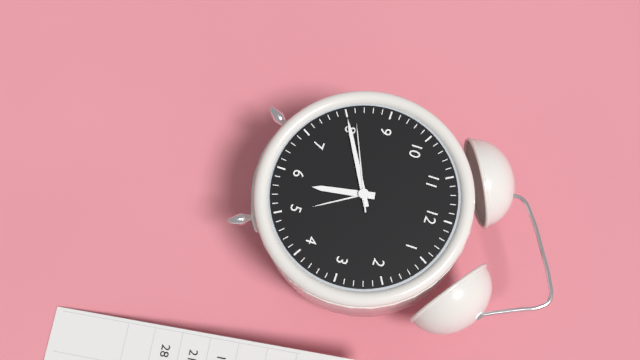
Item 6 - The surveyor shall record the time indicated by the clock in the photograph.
5:40:41
